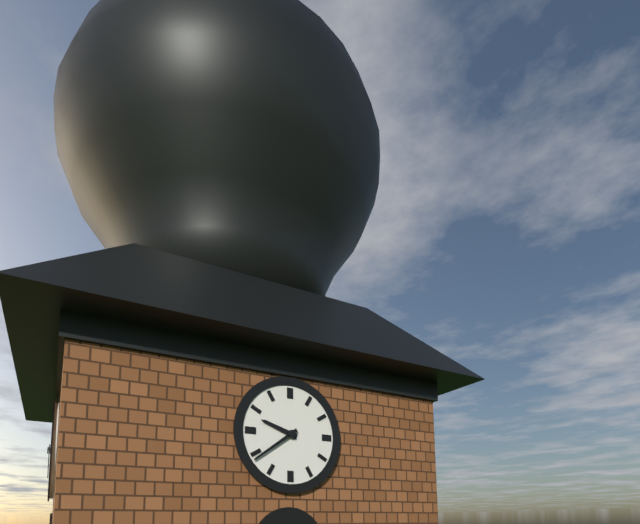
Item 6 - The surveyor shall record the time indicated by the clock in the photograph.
9:39
